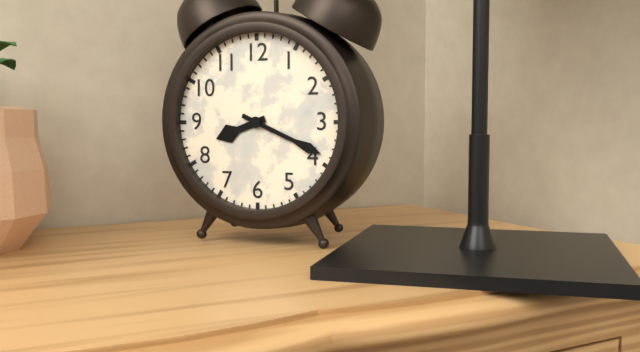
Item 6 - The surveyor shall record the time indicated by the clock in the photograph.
8:19
